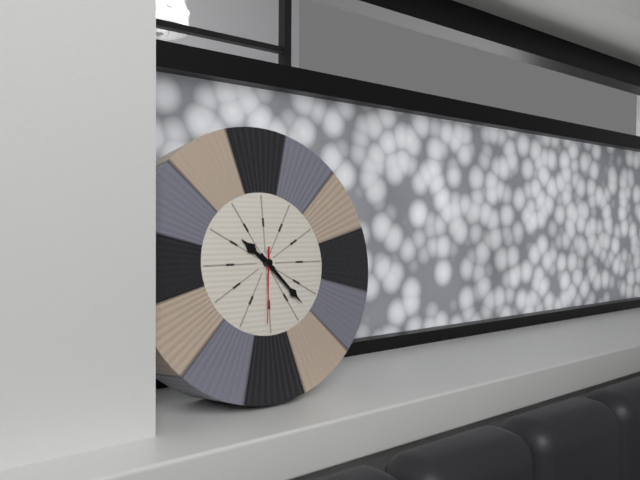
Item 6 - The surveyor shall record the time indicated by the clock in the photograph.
10:23:31
